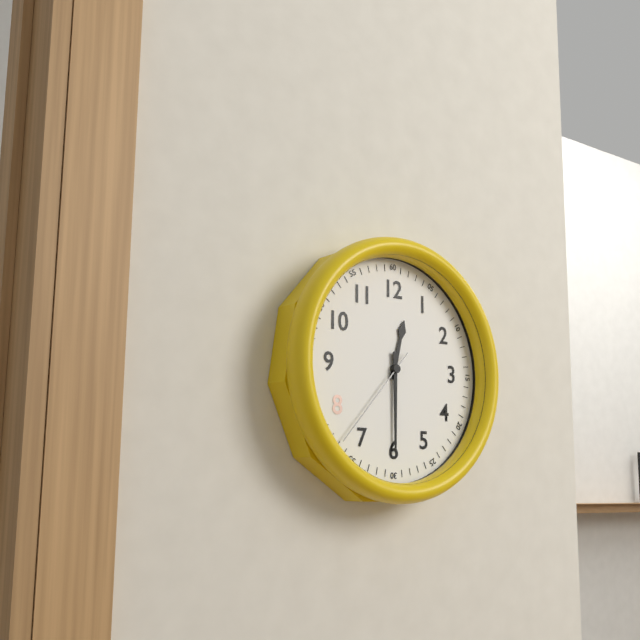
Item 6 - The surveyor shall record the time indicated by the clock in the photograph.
12:30:37
